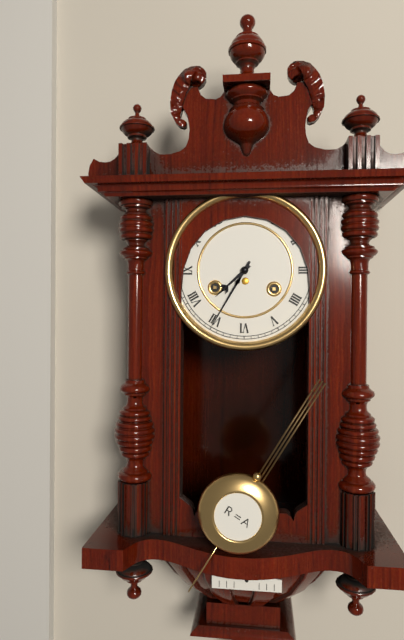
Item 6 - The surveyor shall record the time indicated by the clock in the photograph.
7:35
